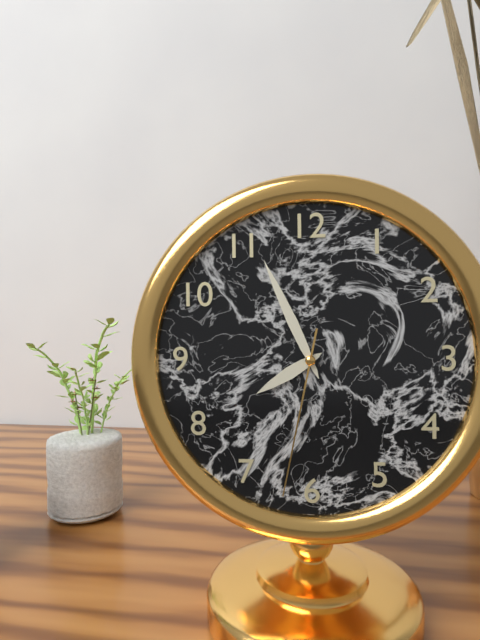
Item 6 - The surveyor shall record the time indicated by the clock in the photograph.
7:56:32
